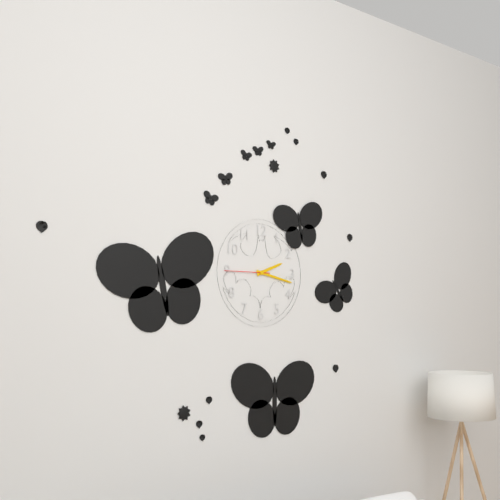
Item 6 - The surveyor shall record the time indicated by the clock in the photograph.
2:17
